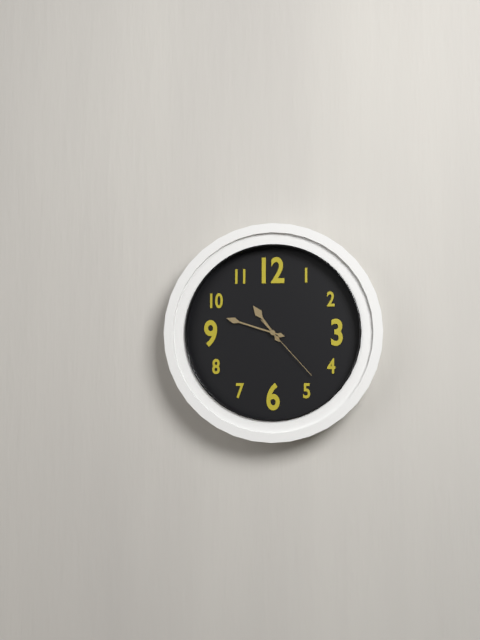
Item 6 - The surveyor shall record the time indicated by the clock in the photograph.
10:48:23
